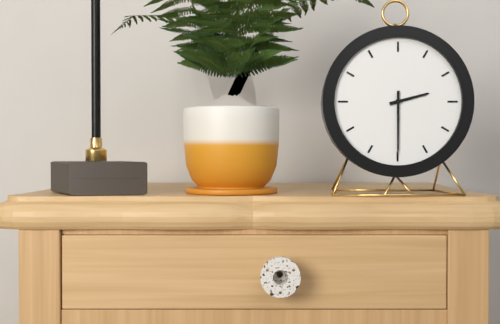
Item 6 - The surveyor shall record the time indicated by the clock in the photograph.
2:30
